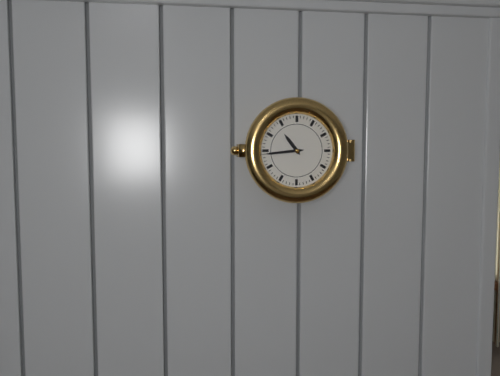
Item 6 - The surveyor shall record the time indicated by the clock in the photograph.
10:44
